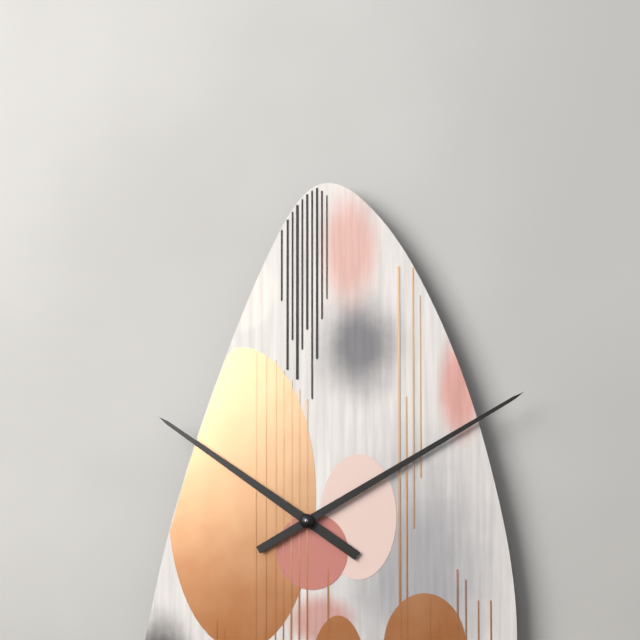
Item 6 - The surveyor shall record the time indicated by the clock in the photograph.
10:10
